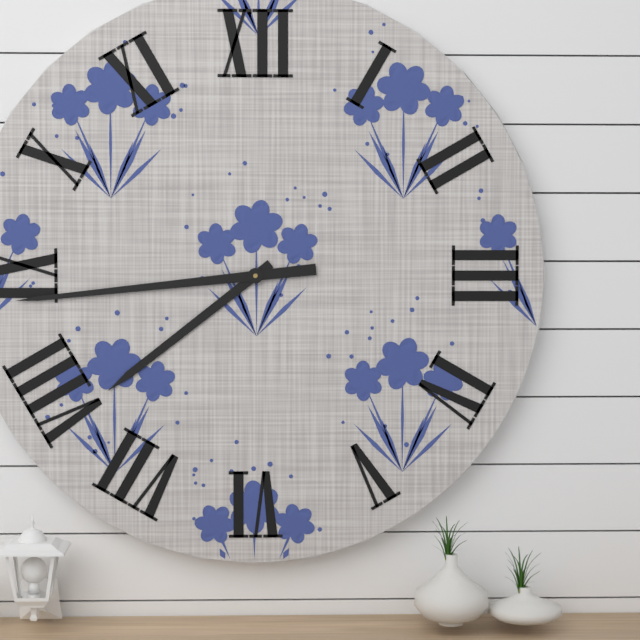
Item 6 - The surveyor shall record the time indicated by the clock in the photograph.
7:44
